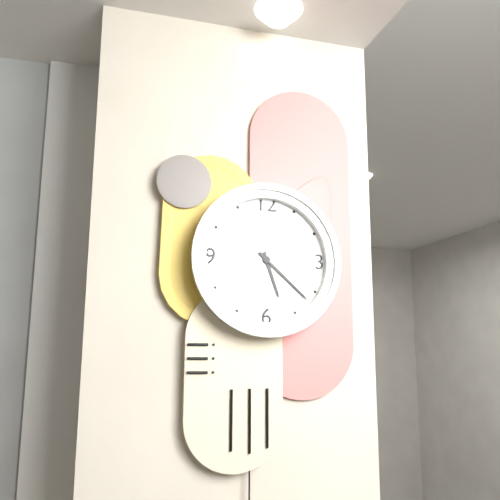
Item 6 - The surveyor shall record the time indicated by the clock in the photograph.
5:22
